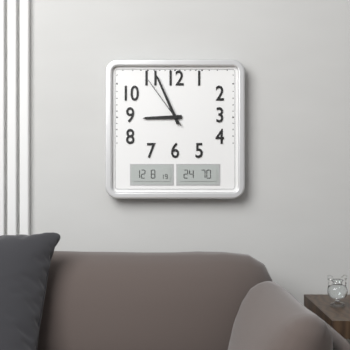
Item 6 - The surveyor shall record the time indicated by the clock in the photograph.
8:56:54
